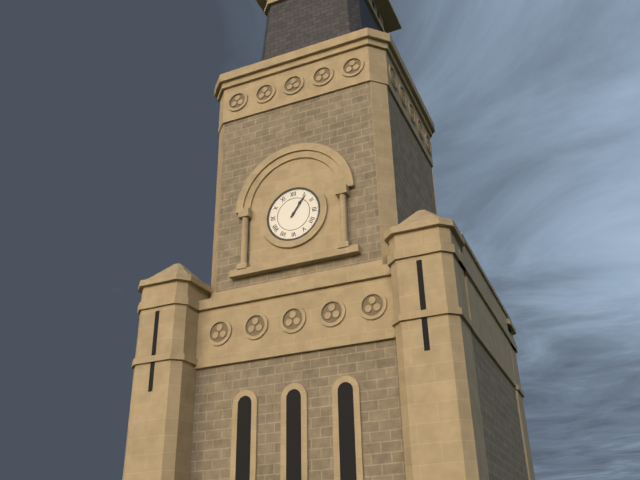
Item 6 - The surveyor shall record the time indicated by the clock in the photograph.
1:06
